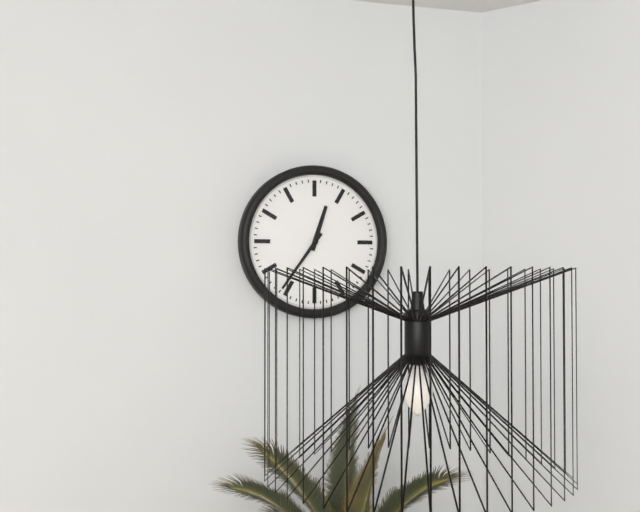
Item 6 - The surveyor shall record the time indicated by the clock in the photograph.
12:36
